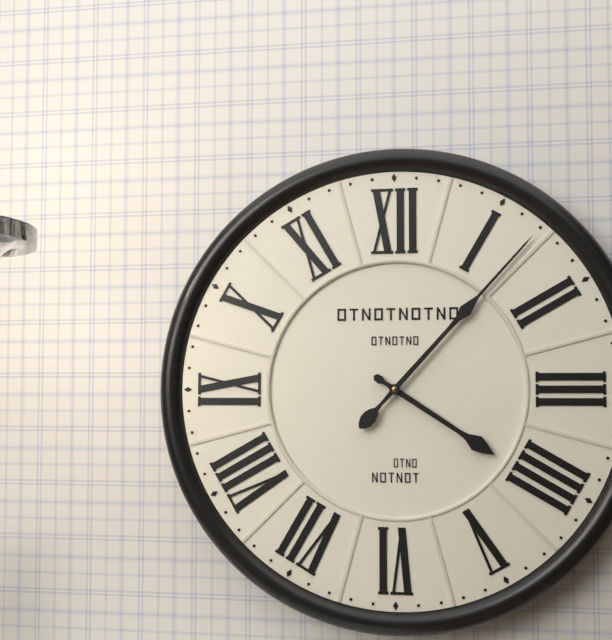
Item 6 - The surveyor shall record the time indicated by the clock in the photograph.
4:07
